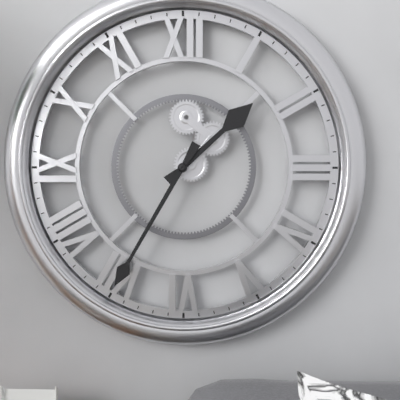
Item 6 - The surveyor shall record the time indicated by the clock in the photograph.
1:35
